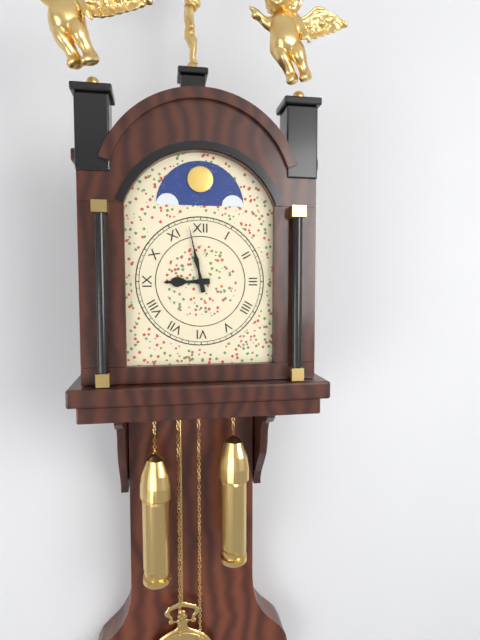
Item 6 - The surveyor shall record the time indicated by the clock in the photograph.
8:58
